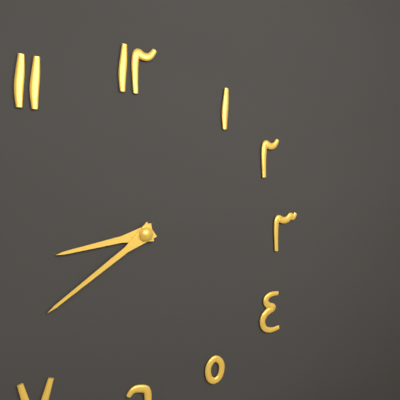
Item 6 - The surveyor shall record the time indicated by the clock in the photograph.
8:39
